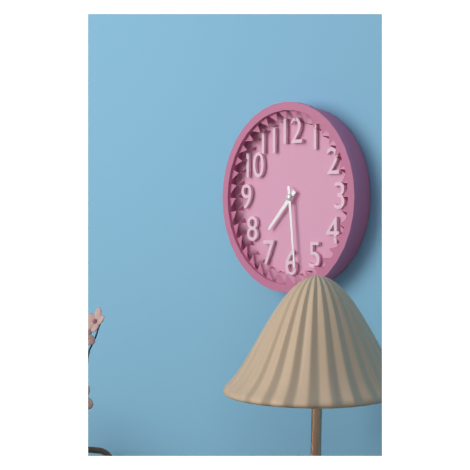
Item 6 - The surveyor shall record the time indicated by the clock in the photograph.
7:29
